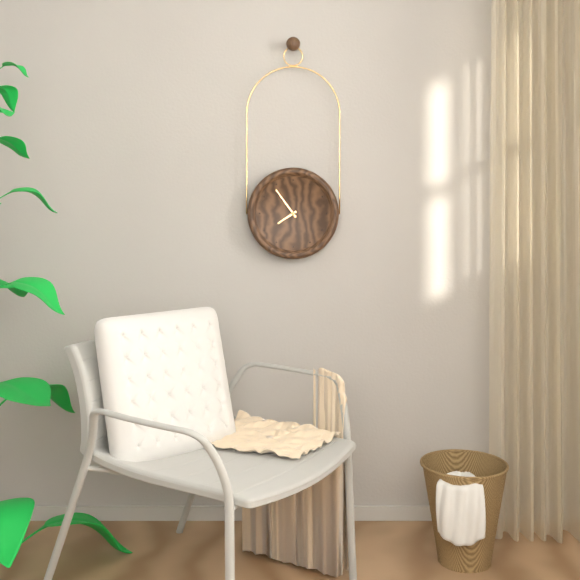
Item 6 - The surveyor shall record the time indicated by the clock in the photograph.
7:54
